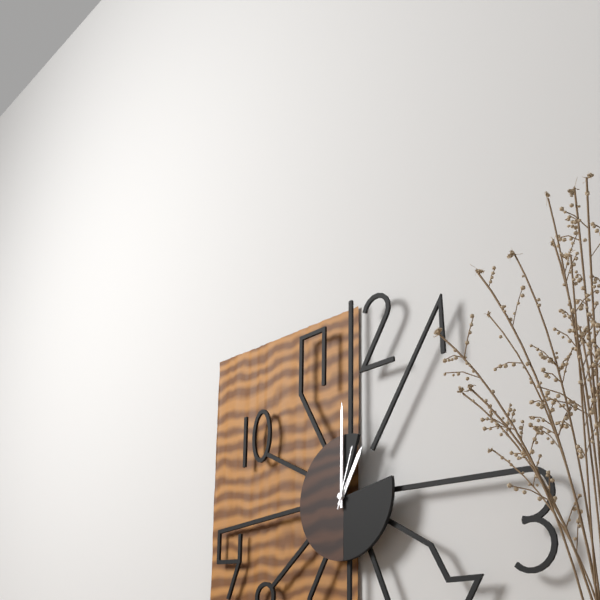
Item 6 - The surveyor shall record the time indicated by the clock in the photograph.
1:00:03
